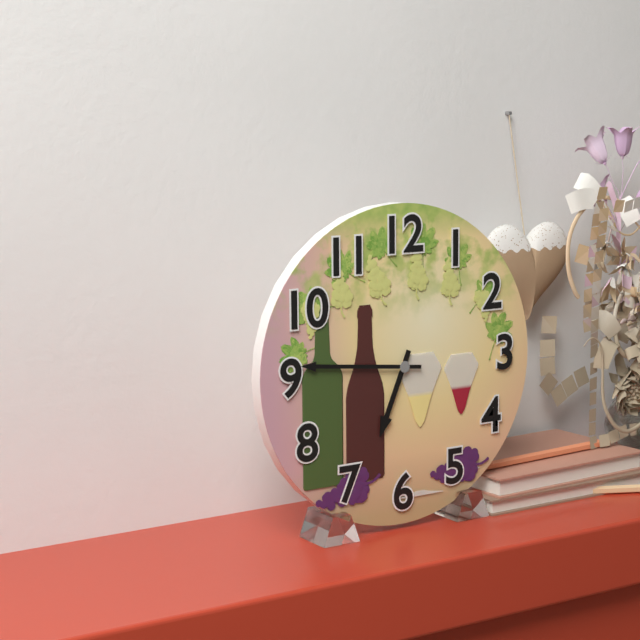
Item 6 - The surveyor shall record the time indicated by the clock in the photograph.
6:46
